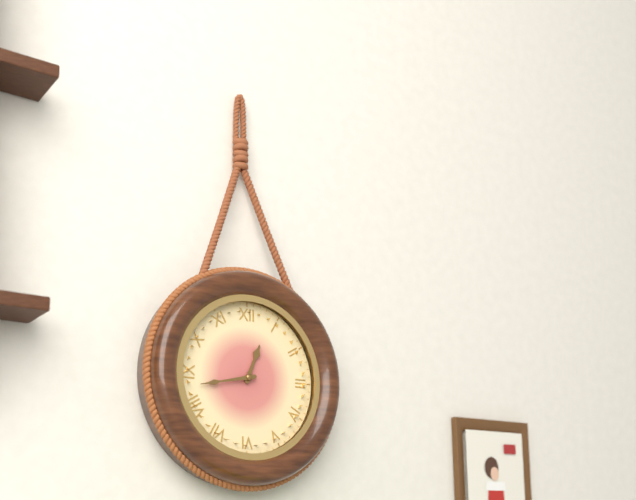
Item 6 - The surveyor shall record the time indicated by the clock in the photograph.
12:43
